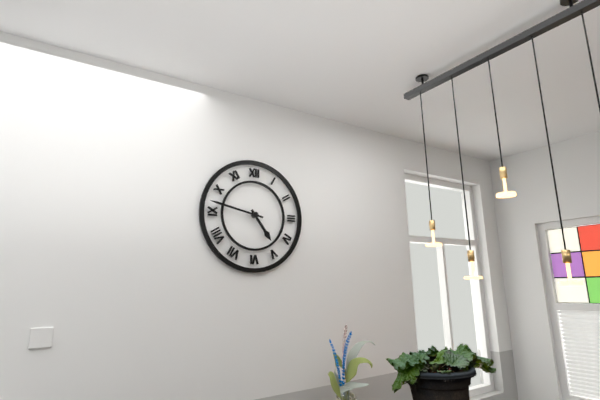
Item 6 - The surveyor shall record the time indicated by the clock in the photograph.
4:47
